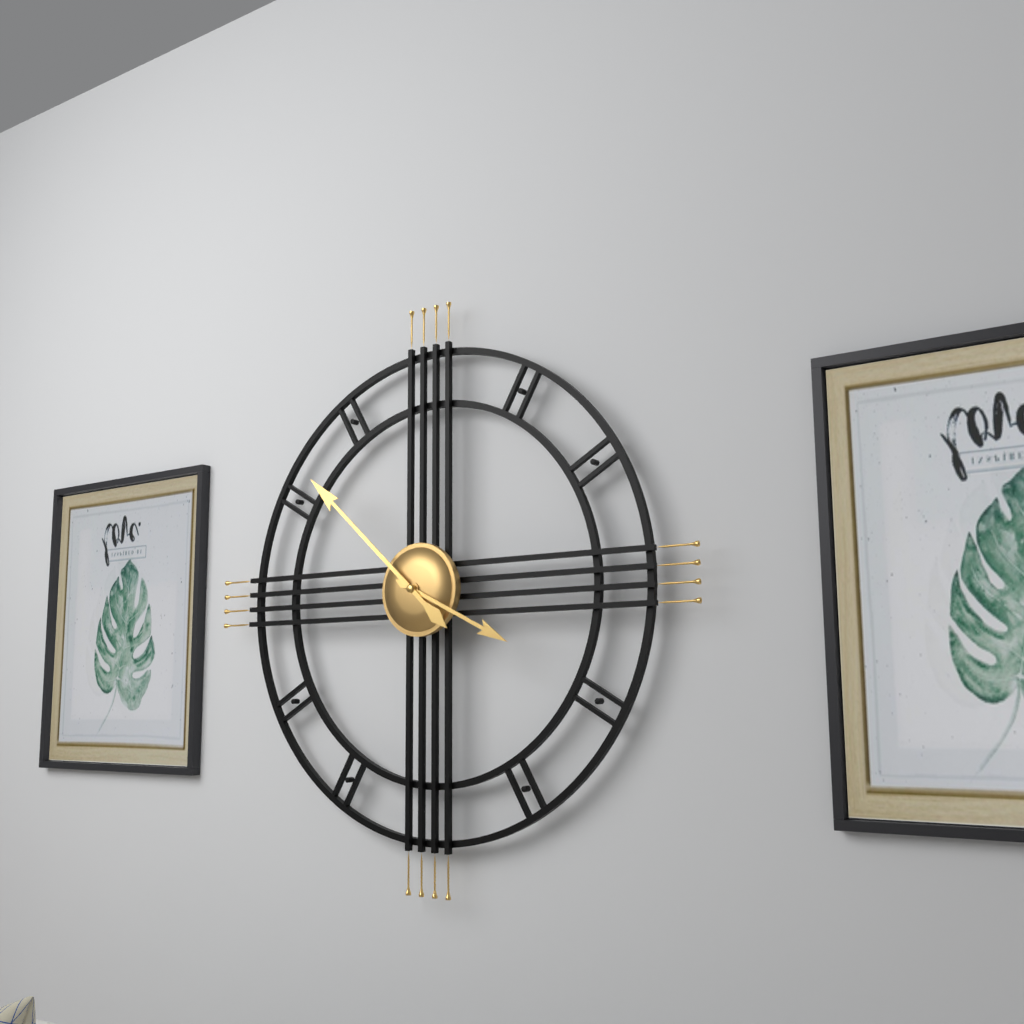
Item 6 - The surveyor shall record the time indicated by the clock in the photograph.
3:52
